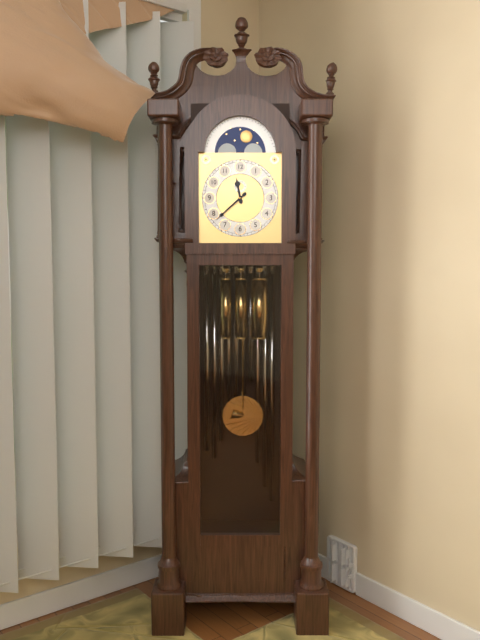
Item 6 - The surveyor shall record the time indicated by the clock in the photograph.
11:38
